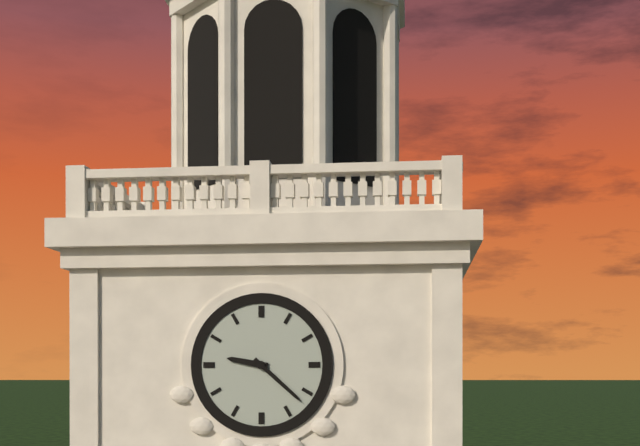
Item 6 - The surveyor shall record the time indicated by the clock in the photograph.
9:22
